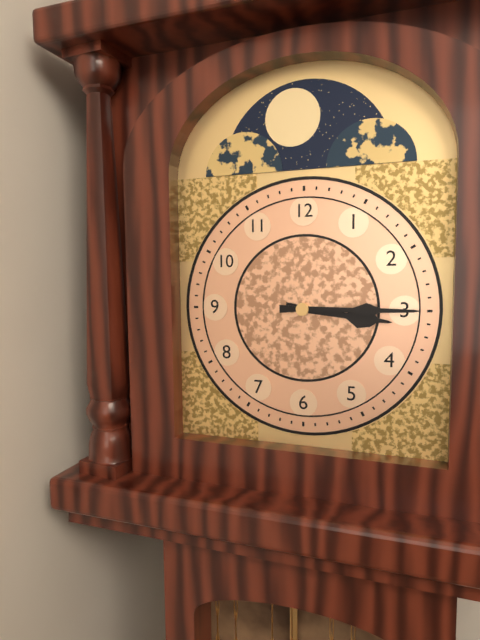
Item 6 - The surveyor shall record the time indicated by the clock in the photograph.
3:15
